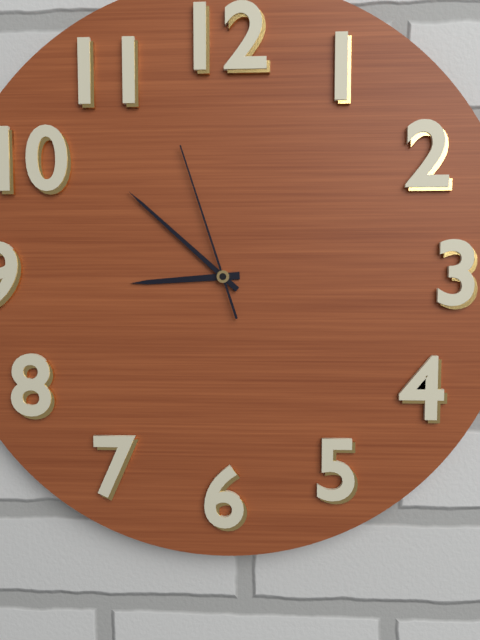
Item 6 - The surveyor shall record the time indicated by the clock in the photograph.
8:52:57
